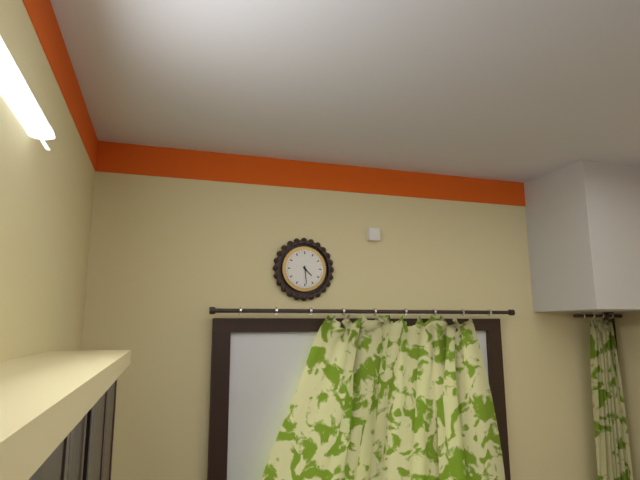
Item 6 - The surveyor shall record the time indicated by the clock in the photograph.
4:29
